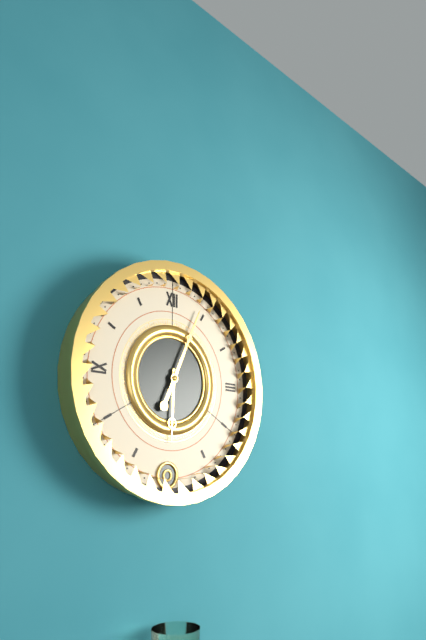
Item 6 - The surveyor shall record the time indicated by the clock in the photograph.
6:04
